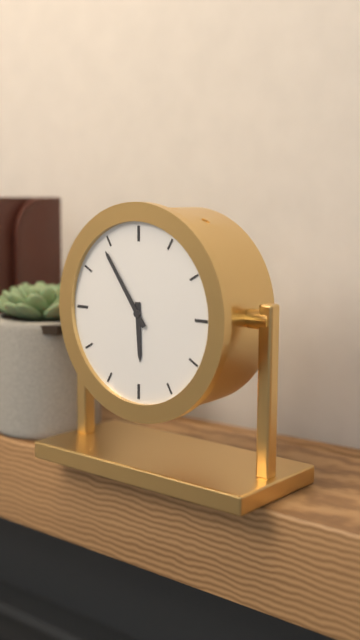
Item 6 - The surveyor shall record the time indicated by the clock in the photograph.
5:54
